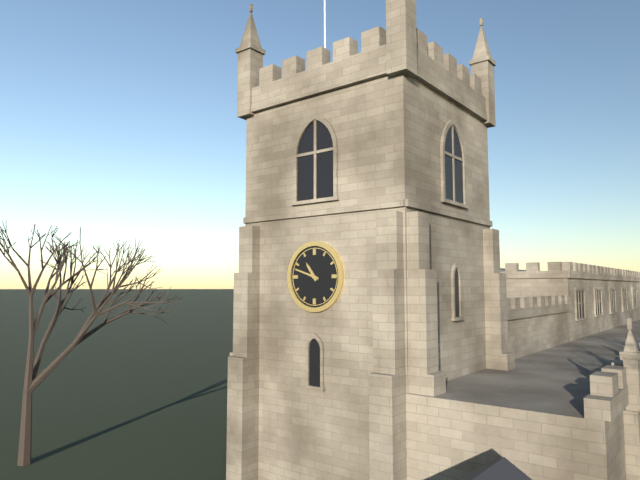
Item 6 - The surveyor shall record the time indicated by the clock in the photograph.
10:48
